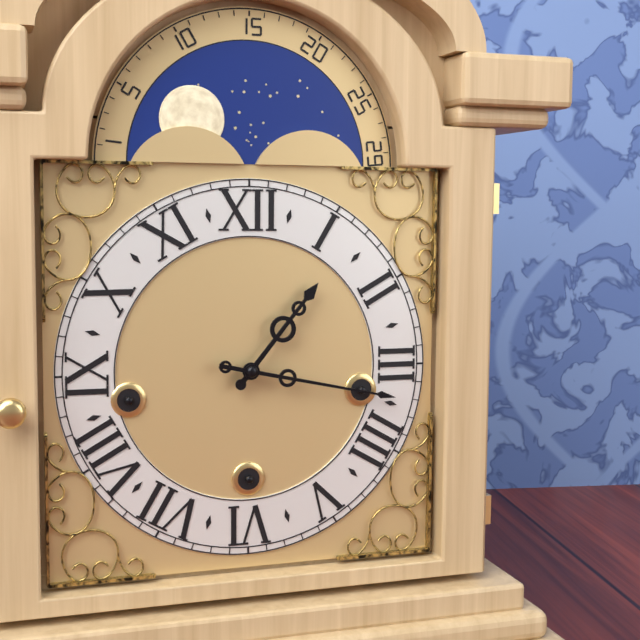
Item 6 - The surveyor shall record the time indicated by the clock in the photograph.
1:17
